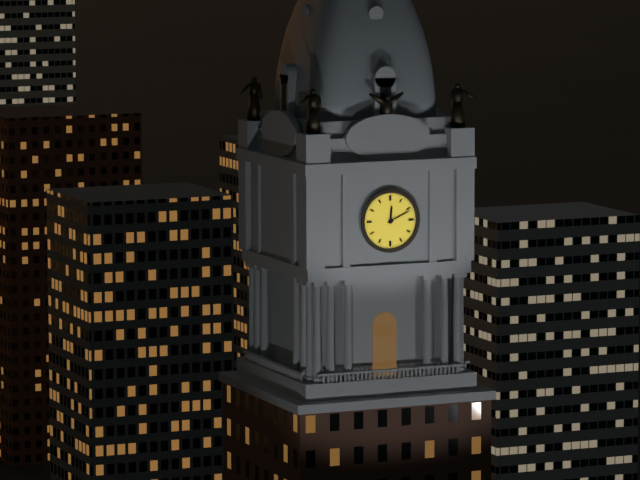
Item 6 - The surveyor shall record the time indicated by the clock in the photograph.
12:11
